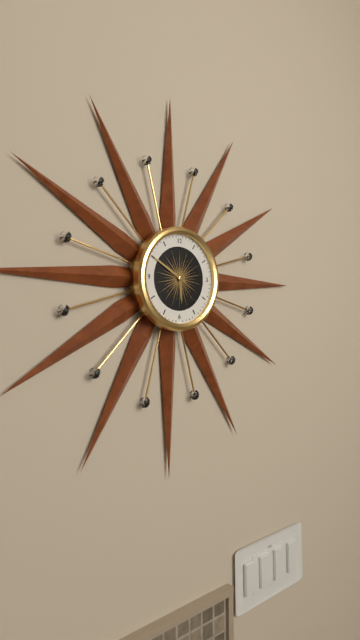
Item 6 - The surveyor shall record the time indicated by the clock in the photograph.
5:50
